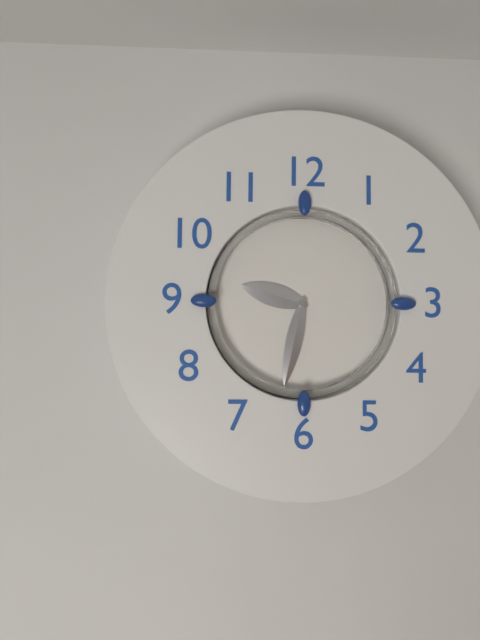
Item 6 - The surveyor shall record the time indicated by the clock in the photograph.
9:32
